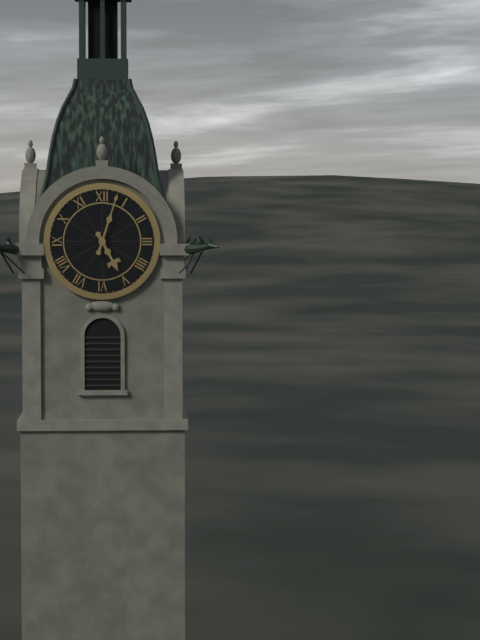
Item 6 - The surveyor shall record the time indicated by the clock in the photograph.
5:03
